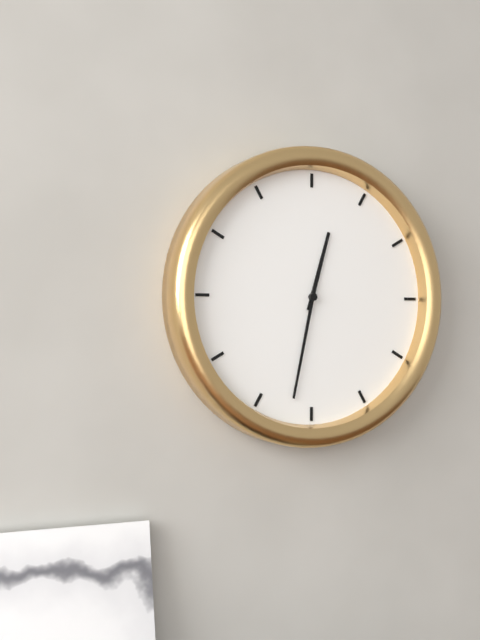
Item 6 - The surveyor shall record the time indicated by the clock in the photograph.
12:32
